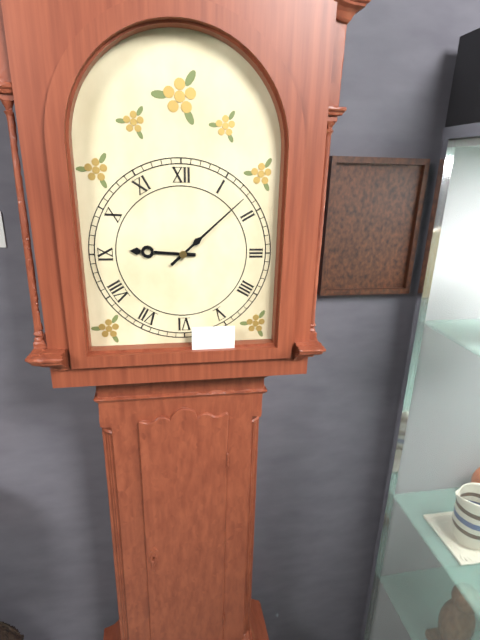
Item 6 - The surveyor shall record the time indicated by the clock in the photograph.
9:08
